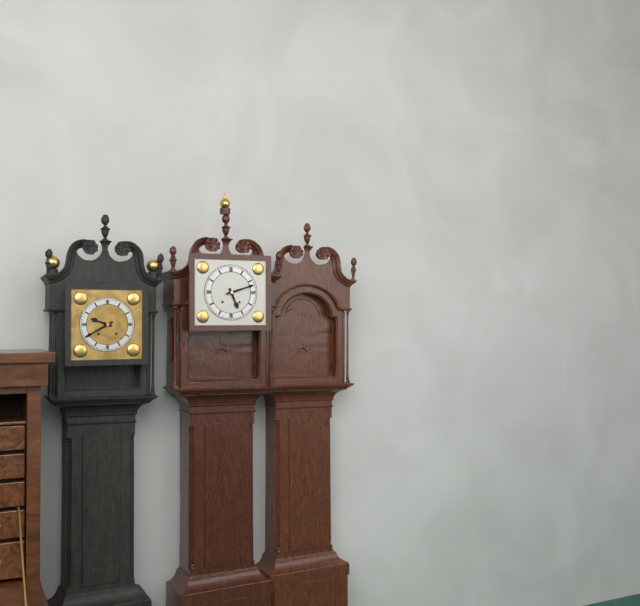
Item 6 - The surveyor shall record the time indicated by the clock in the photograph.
5:12
